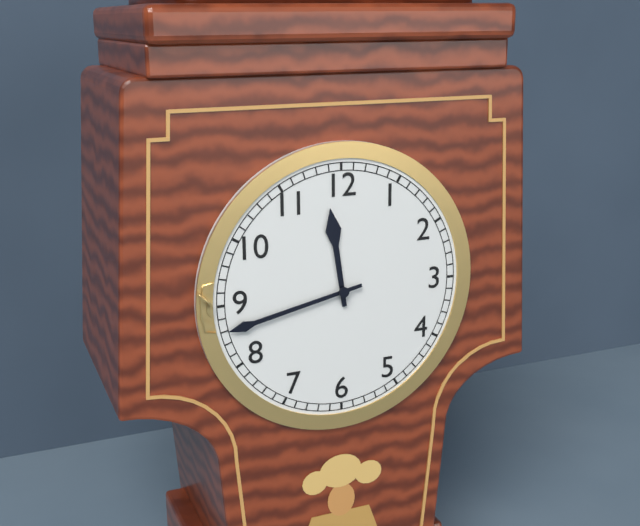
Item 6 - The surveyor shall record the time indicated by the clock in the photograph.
11:43
